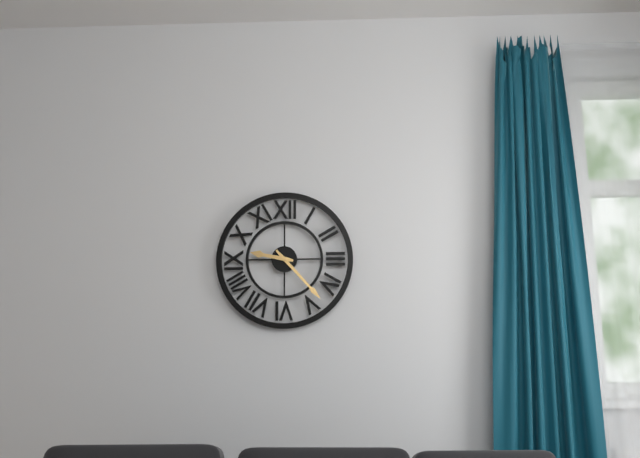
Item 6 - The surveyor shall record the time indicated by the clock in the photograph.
9:23
